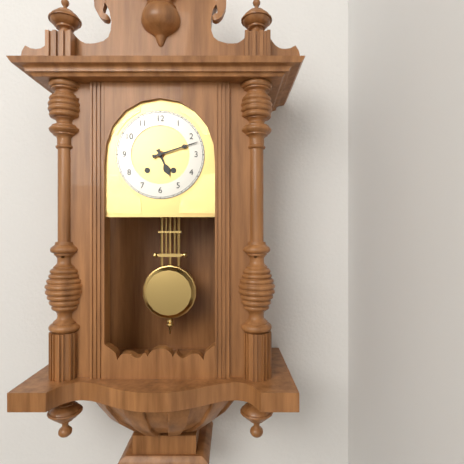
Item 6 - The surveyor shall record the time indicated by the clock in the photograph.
5:12
